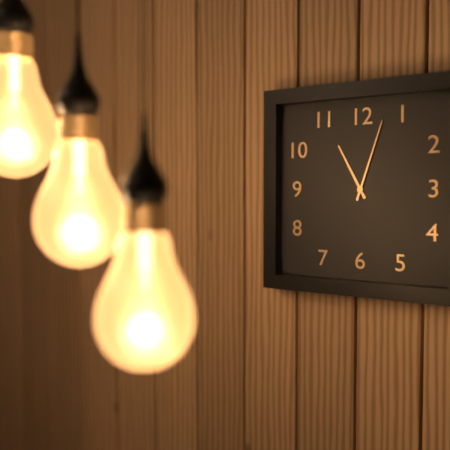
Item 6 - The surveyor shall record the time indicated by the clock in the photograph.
11:03
